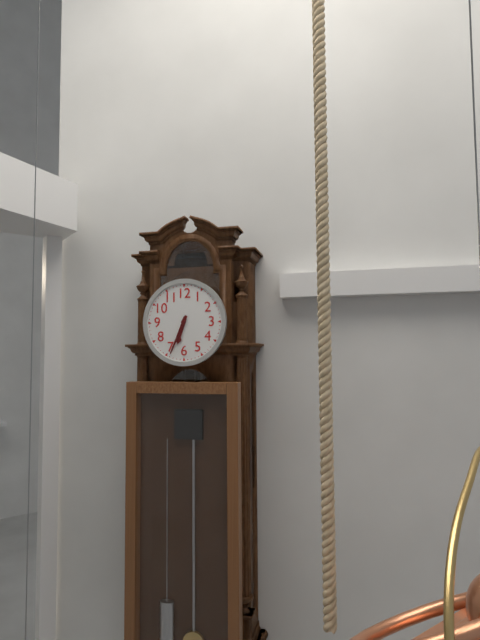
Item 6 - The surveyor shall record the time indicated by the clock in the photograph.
6:34
